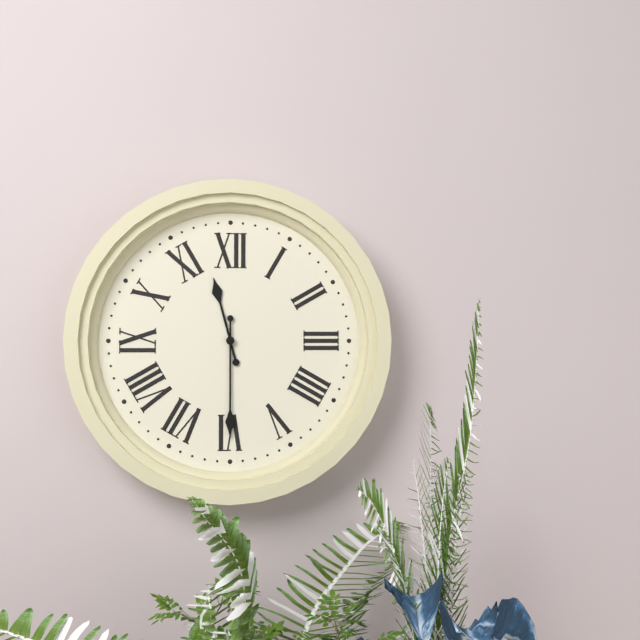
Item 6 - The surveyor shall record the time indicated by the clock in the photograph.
11:30
